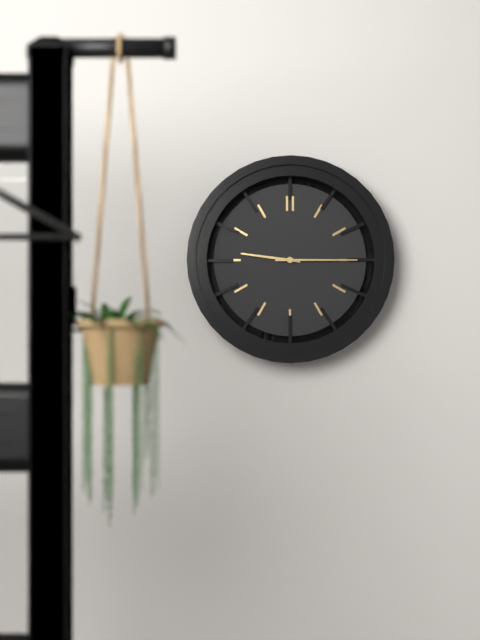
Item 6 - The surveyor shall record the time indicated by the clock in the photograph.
9:15
